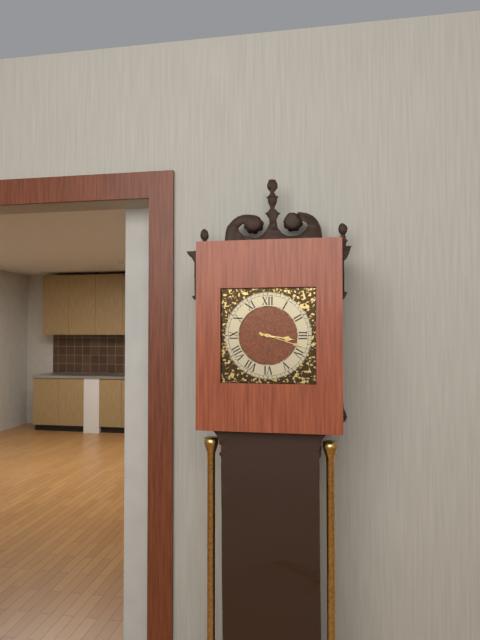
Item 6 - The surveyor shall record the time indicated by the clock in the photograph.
3:18
